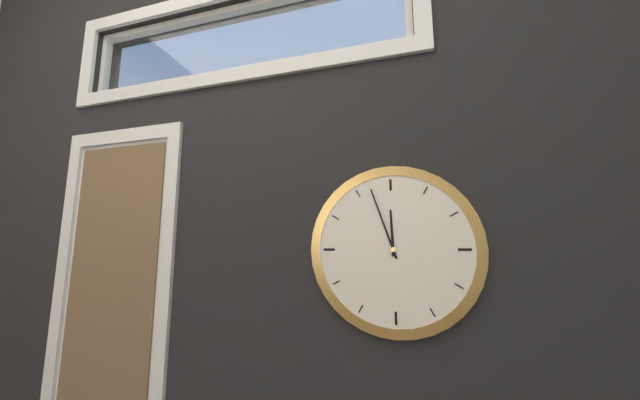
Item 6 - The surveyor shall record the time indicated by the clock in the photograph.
11:57
